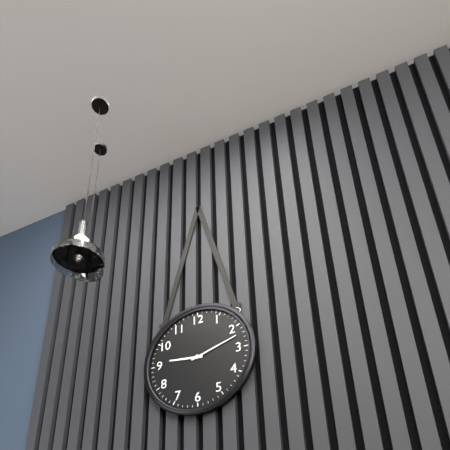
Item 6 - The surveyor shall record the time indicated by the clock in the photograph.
9:12
